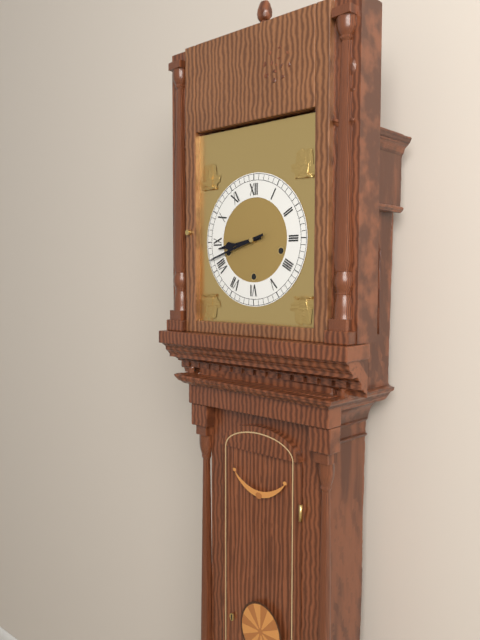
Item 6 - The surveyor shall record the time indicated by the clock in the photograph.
8:42
